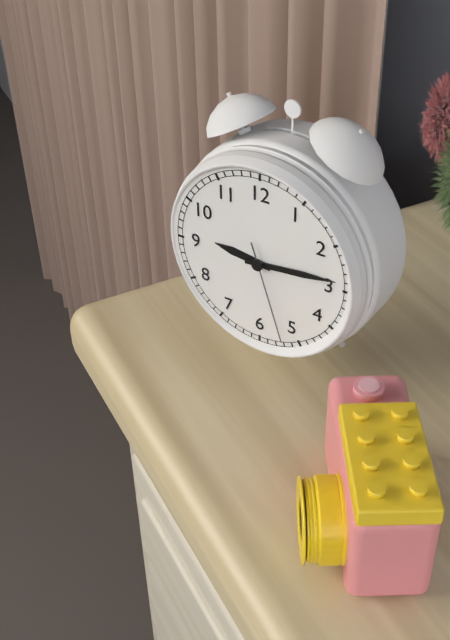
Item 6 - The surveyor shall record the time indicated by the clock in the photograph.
9:14:27
